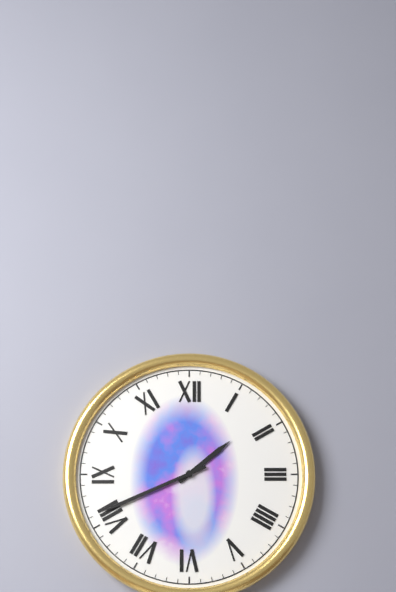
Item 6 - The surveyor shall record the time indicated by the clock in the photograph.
1:41
